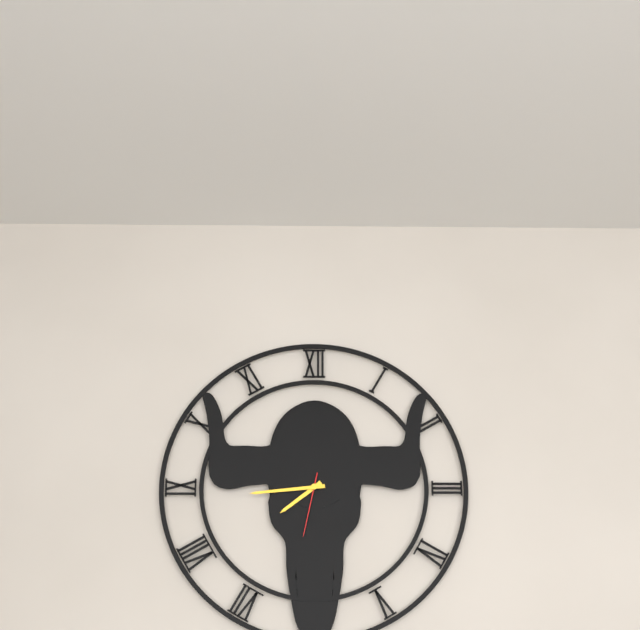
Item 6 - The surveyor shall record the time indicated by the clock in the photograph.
7:44:32
